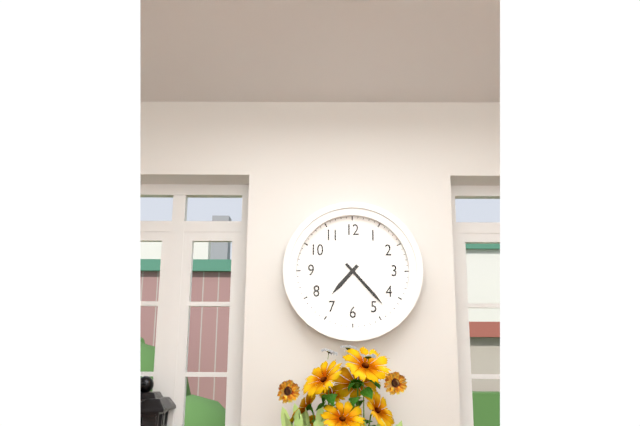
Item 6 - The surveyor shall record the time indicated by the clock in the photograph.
7:23
